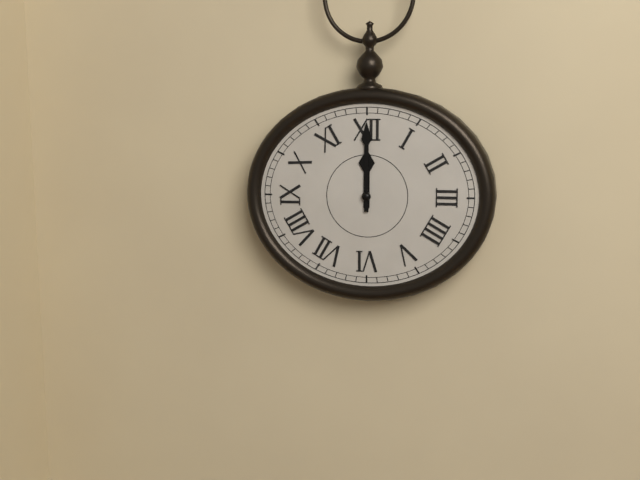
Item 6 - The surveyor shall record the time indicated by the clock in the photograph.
12:00
